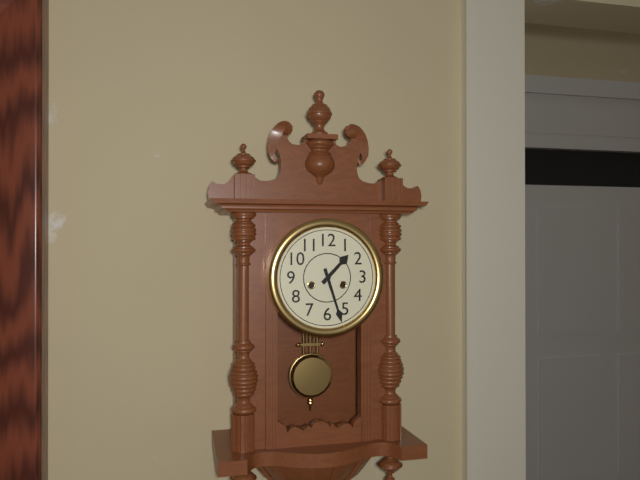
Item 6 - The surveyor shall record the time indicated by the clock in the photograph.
1:27
